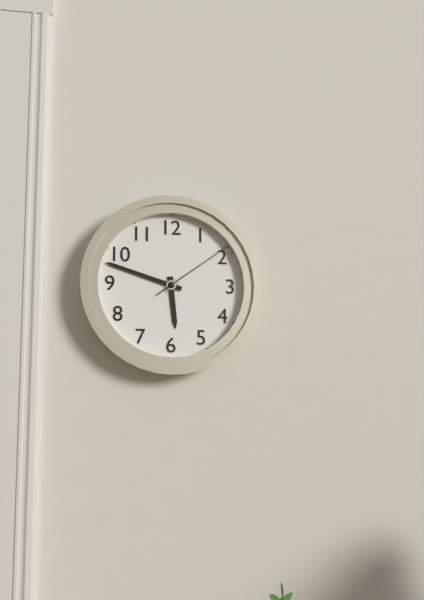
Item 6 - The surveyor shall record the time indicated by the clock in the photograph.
5:48:09
